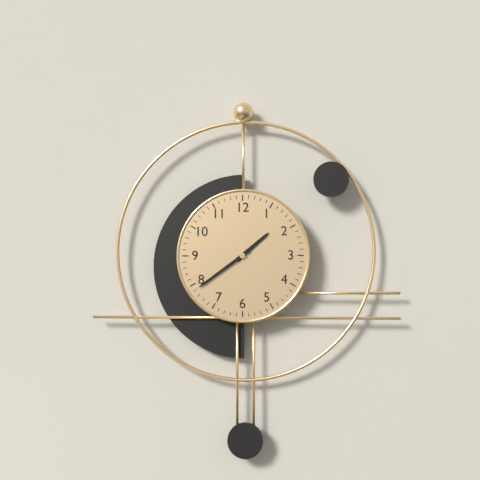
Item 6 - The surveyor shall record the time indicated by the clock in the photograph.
1:39
